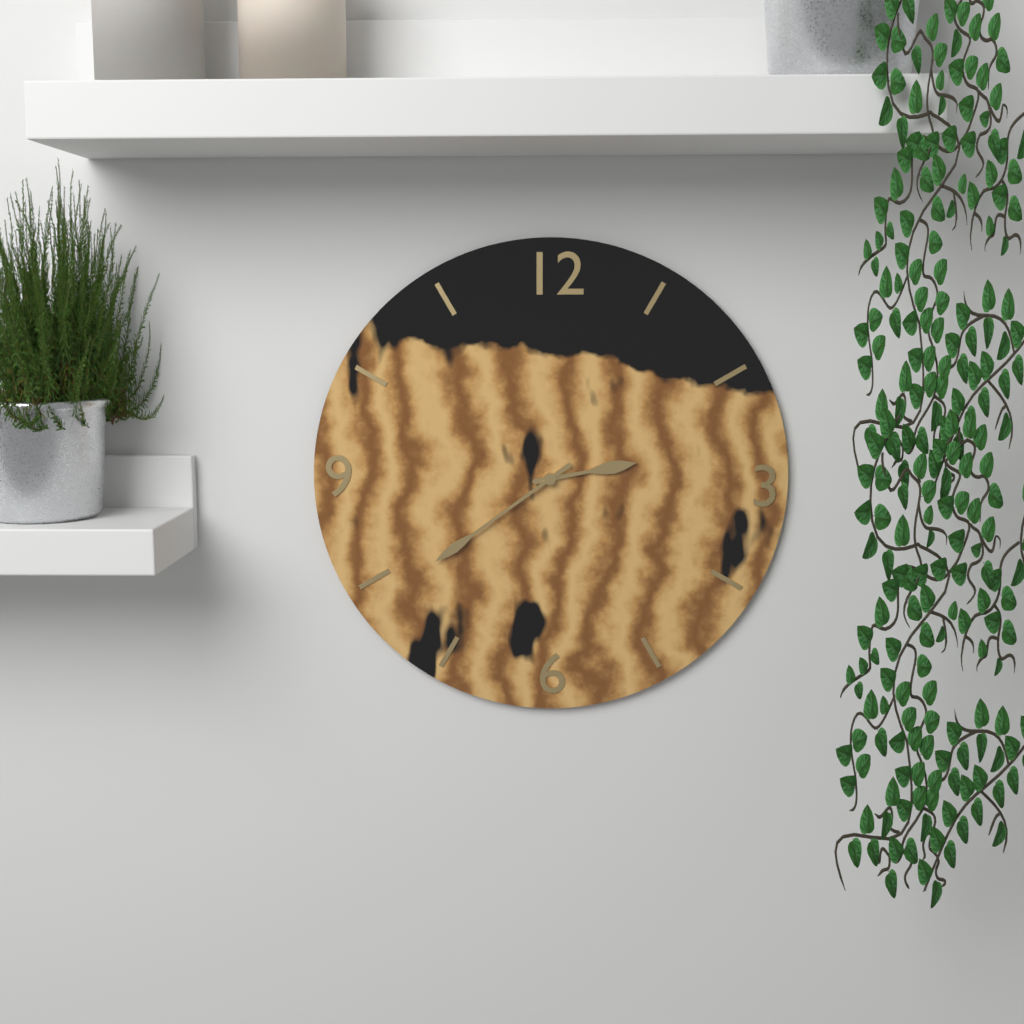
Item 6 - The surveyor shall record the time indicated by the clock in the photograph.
2:39
